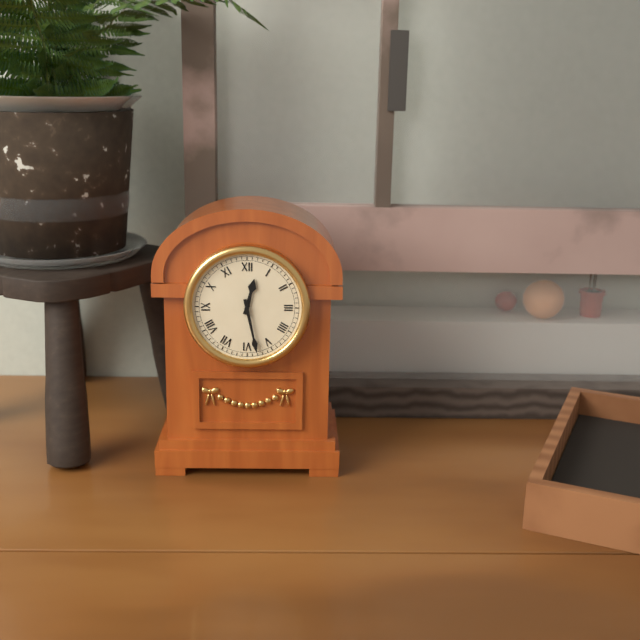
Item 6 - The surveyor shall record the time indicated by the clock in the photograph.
12:28
